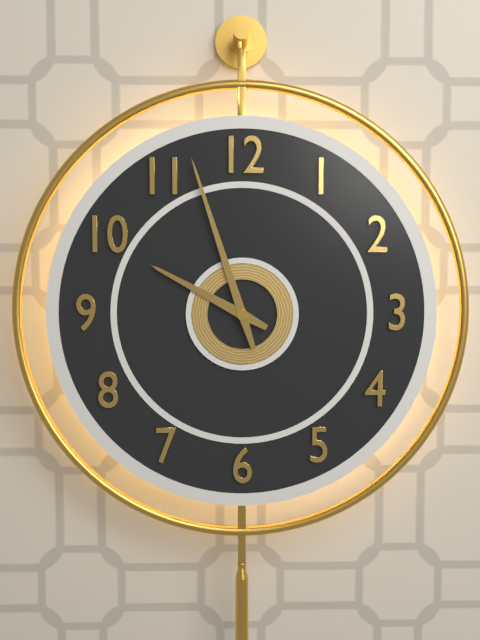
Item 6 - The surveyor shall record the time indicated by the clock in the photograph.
9:57
